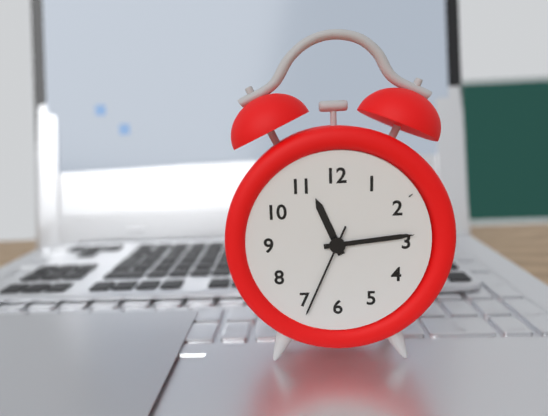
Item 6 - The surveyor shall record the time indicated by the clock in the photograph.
11:14:34
